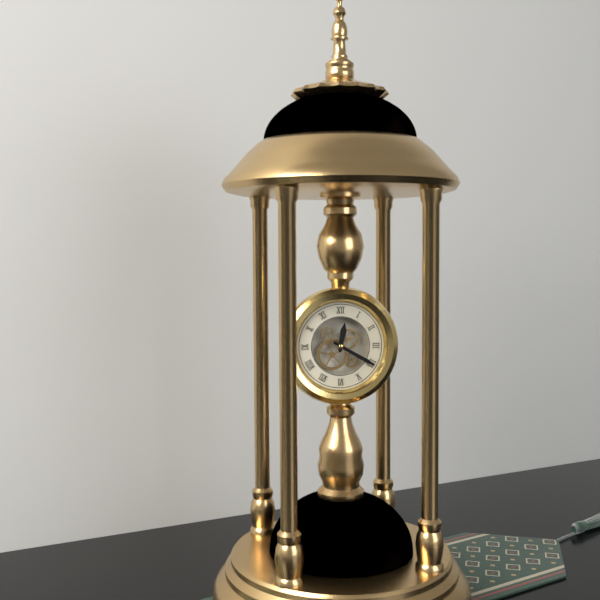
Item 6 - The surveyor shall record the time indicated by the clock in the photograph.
12:20
